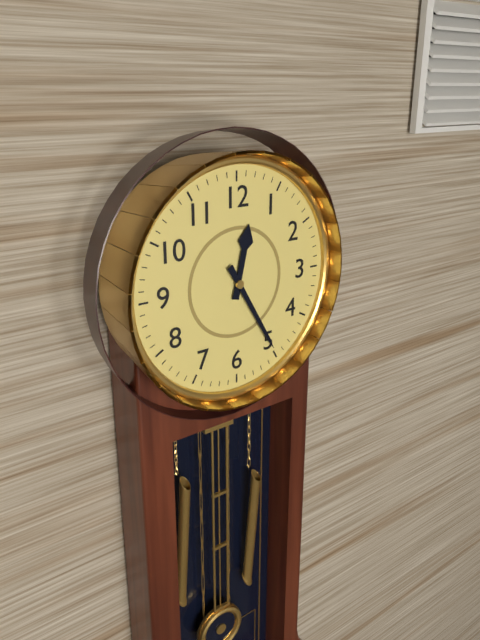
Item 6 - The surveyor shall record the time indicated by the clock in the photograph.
12:25
